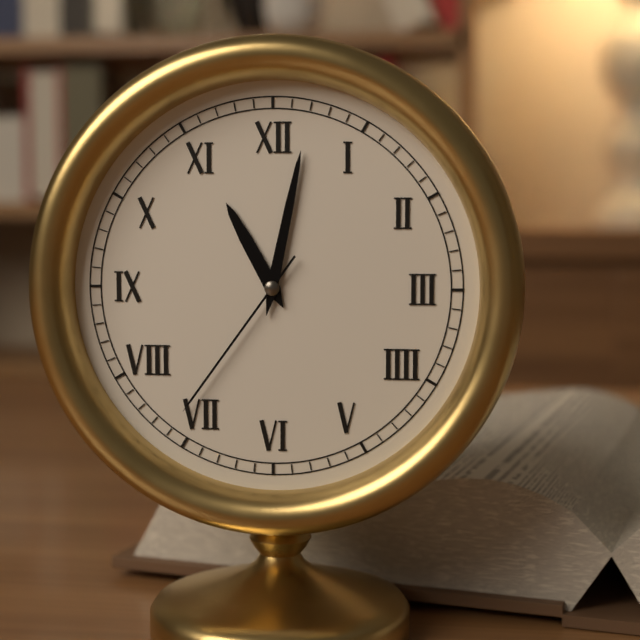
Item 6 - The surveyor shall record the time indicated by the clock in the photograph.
11:02:36
